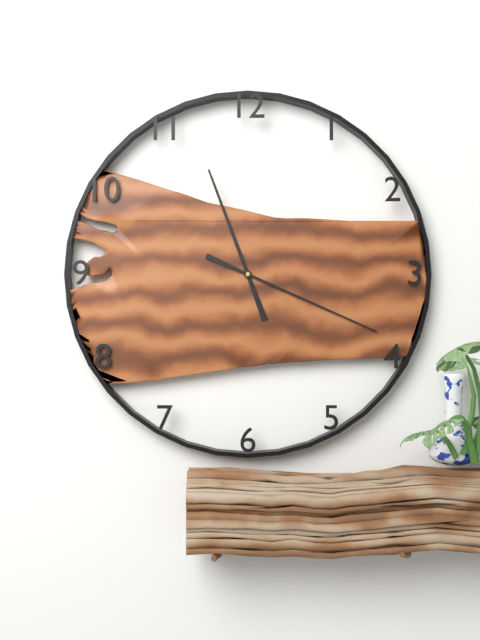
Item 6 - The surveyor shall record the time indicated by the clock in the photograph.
11:19
